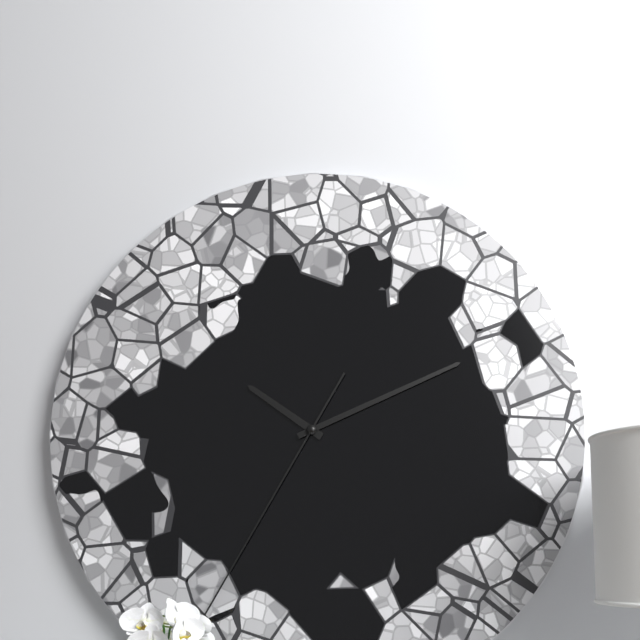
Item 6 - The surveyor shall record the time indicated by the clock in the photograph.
10:11:35
